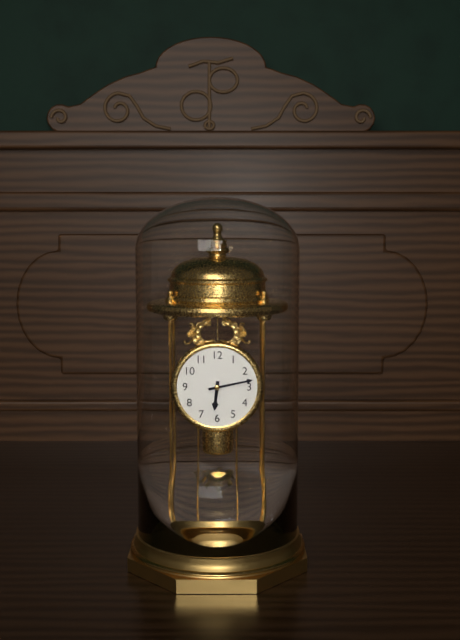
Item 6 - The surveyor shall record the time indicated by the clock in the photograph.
6:13
